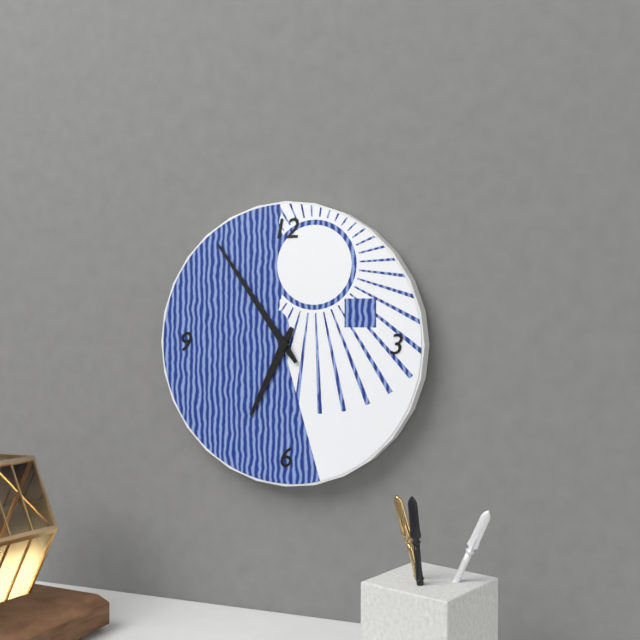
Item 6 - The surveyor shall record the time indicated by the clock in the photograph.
6:54
